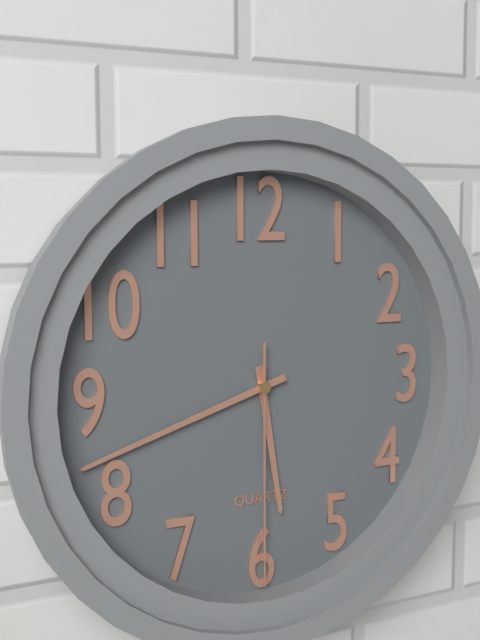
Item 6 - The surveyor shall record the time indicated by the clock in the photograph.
5:42:30
